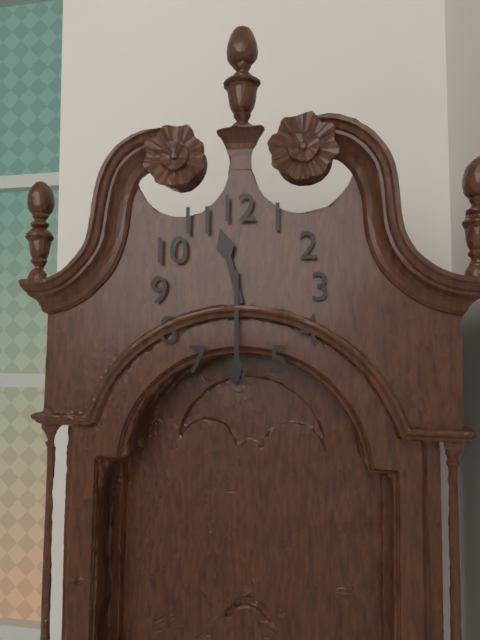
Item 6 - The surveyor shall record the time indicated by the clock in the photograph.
11:30
